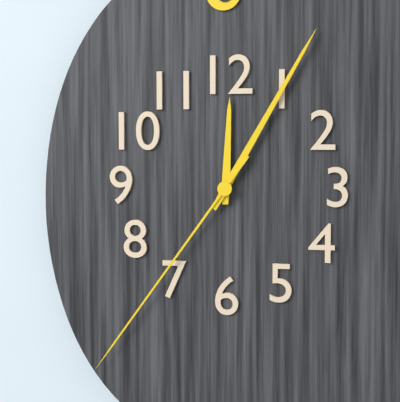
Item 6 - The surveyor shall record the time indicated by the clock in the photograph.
12:05:36
